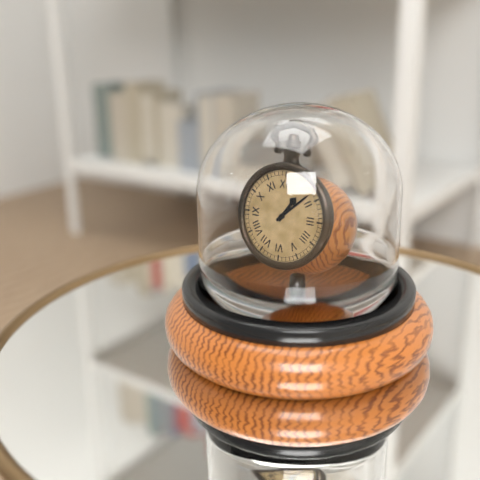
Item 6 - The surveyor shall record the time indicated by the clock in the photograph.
1:08
